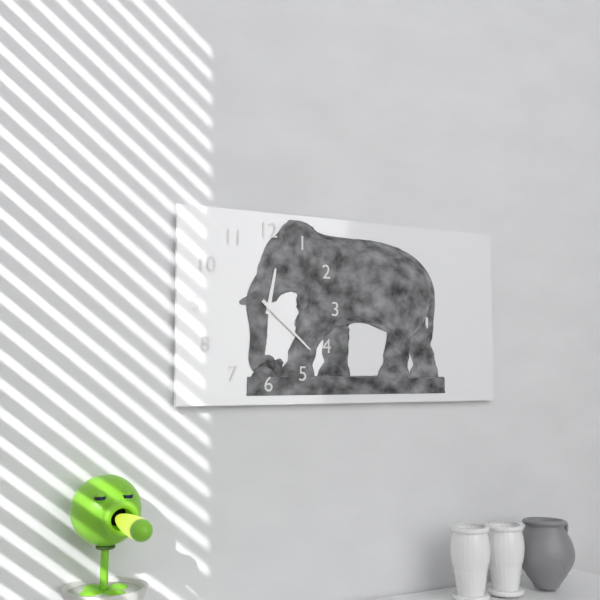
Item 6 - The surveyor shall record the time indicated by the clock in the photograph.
12:22
